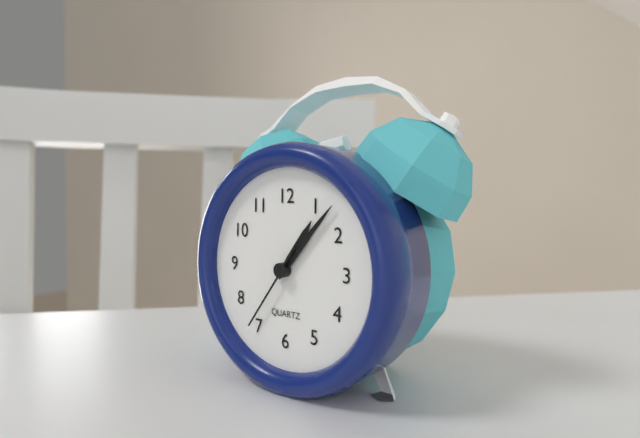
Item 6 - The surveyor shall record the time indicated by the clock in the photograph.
1:07:36
